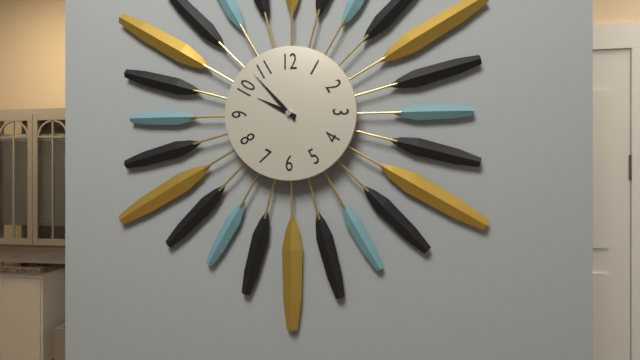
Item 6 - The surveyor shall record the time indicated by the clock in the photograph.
9:53
